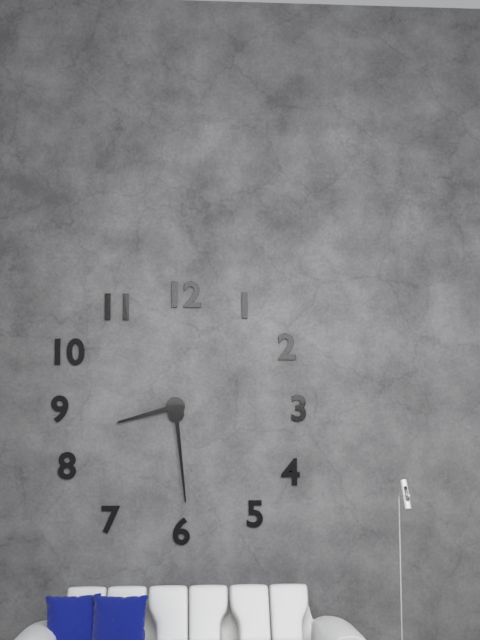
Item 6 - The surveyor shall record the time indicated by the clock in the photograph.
8:29
